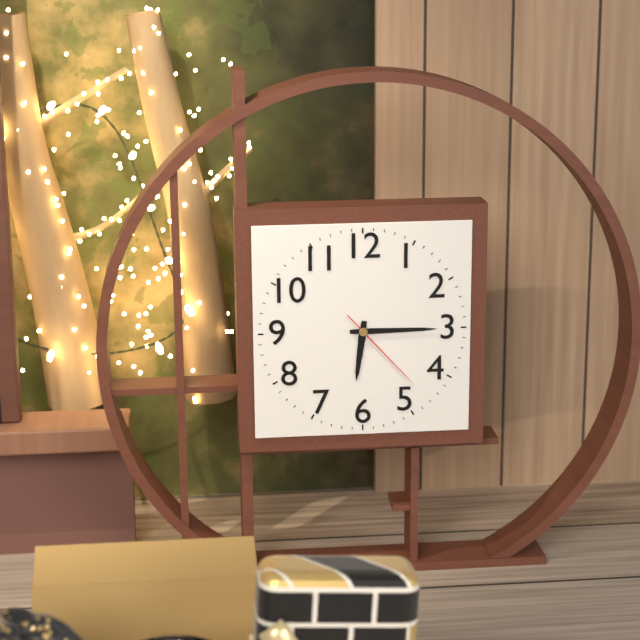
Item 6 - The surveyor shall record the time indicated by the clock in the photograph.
6:15:23
